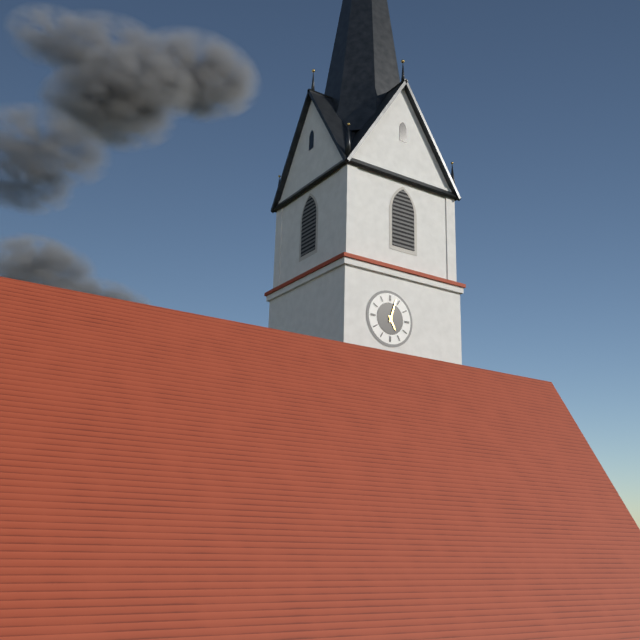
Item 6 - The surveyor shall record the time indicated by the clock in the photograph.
5:03
